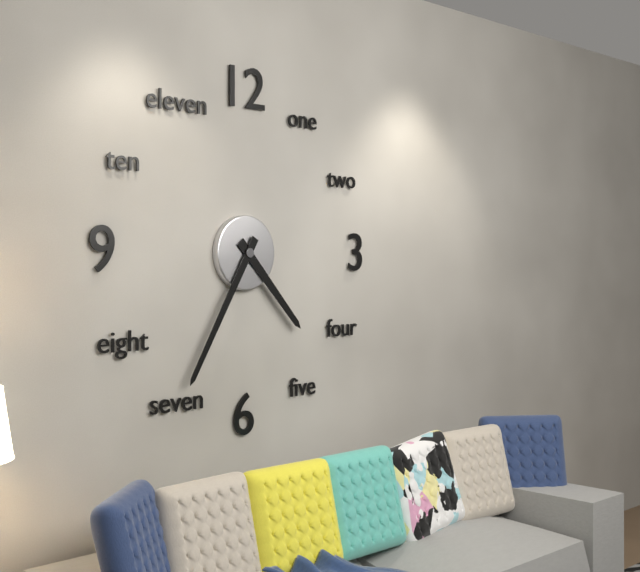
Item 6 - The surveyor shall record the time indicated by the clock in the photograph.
4:35
